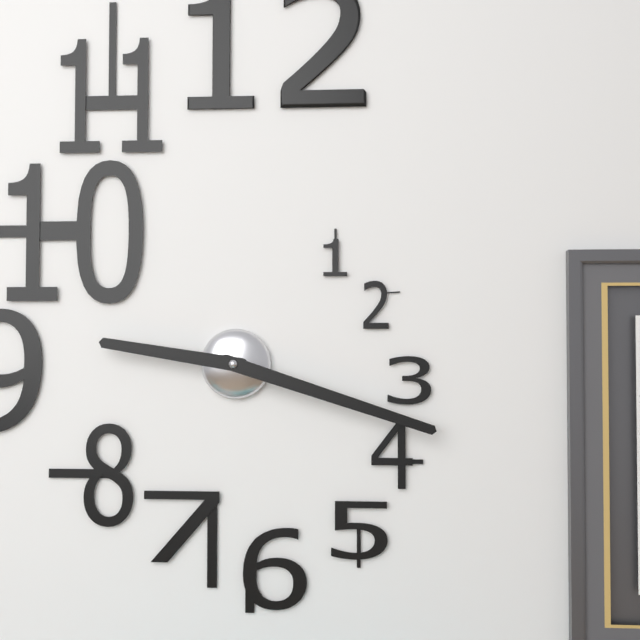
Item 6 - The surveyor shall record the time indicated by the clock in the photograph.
9:18
